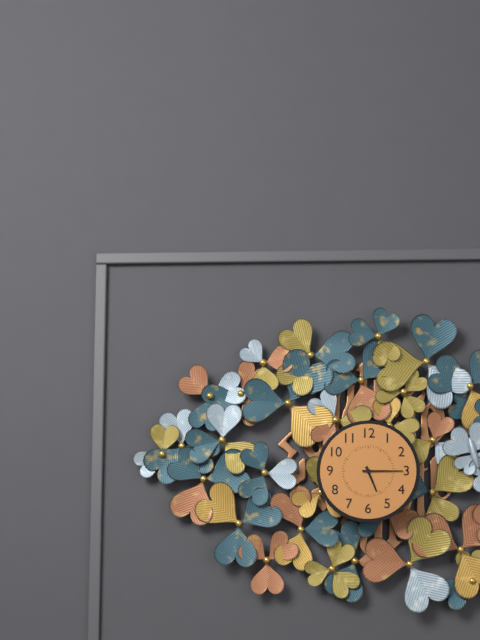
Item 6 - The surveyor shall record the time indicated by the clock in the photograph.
5:15
